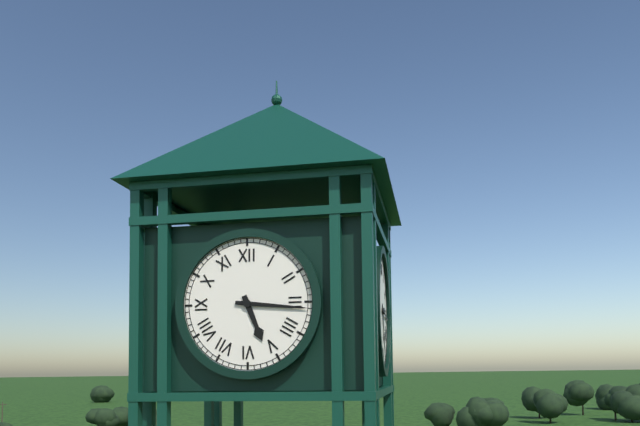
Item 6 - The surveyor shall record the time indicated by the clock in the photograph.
5:16
